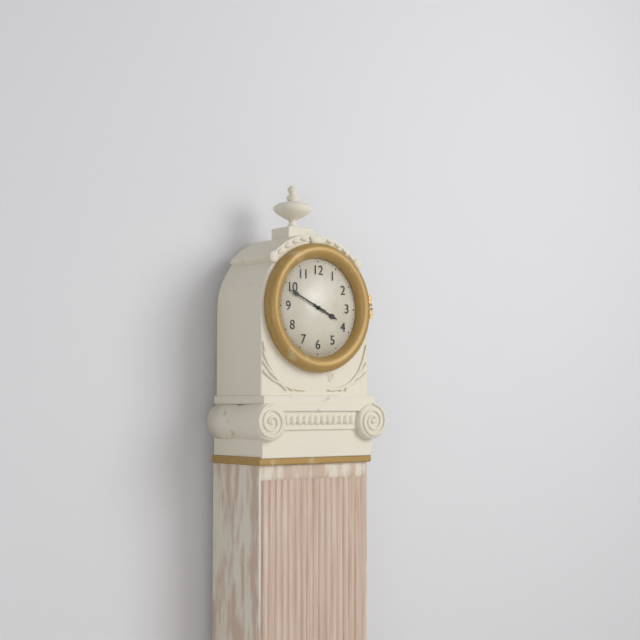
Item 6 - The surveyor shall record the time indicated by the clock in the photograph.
3:49
